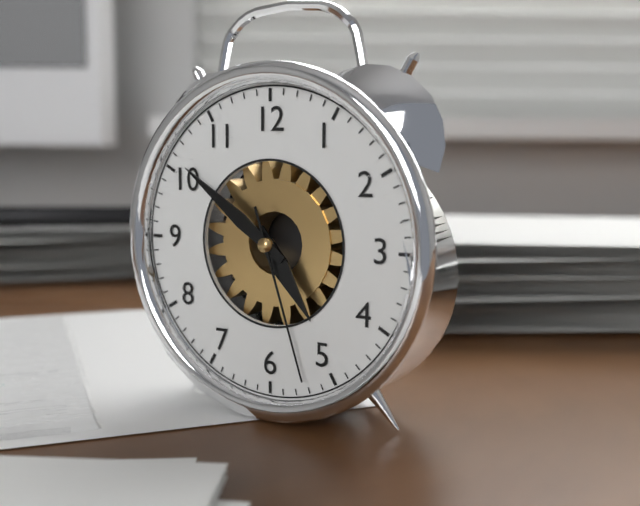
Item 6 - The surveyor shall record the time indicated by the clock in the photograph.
4:51:27
